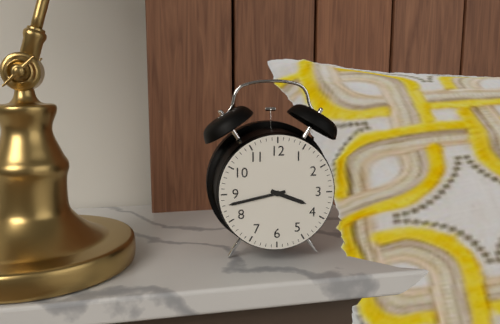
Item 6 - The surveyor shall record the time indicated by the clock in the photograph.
3:43
